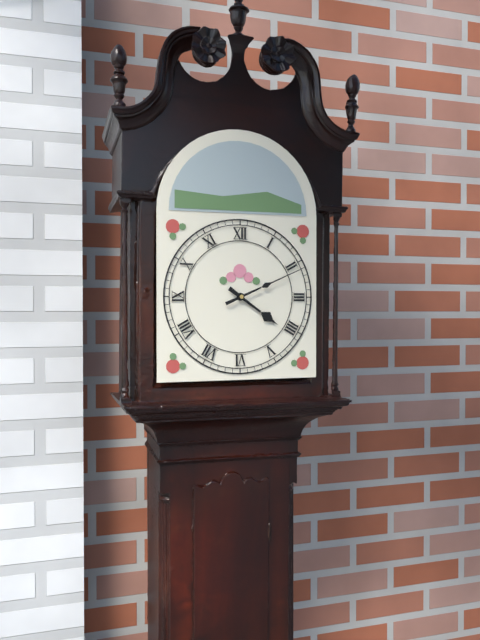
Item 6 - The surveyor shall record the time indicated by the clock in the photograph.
4:11
